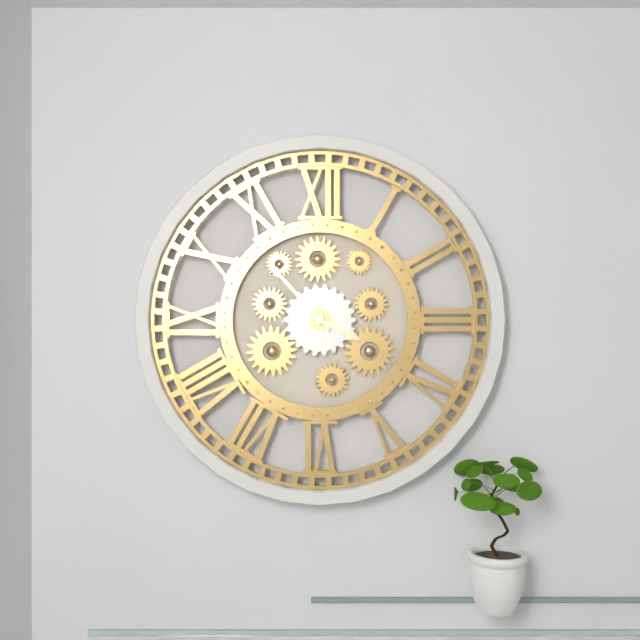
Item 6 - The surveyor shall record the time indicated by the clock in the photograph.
3:53
